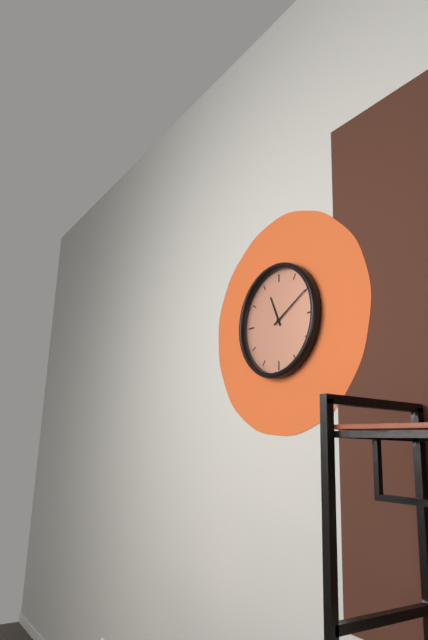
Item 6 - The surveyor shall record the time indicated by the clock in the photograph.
11:10
